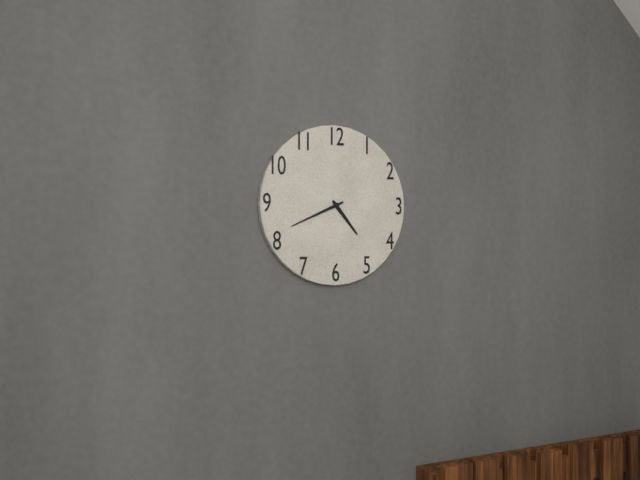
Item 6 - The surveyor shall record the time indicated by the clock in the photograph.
4:41
